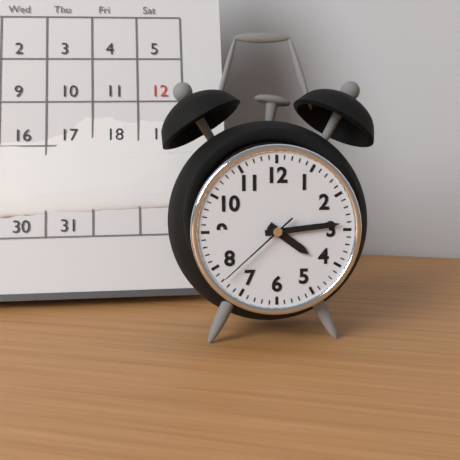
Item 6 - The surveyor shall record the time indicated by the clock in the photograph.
4:14:38
